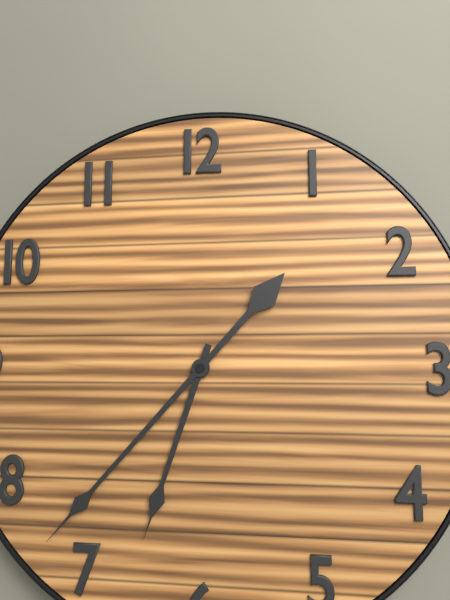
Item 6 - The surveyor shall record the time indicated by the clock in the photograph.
6:37
